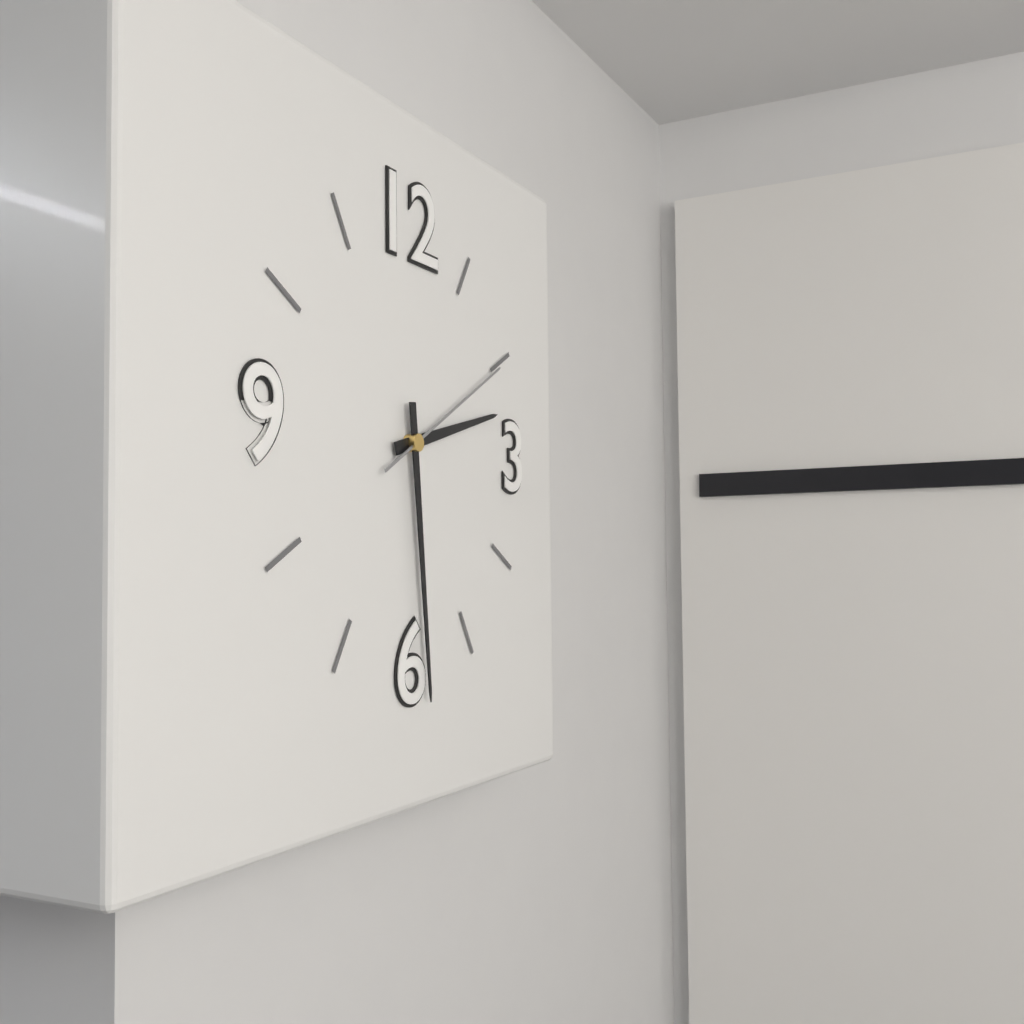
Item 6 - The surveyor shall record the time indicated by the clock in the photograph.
2:29:10
